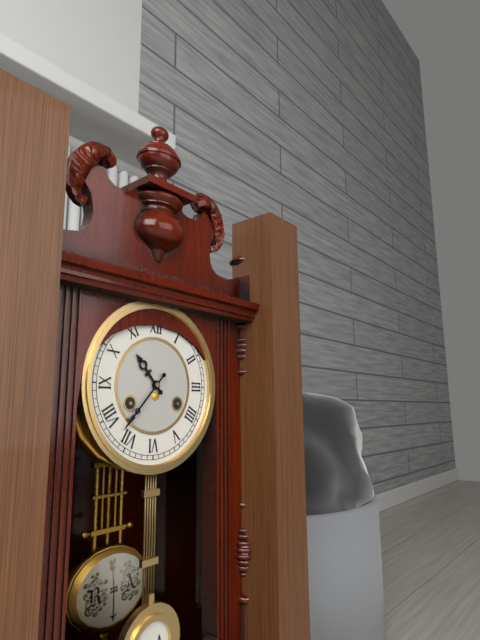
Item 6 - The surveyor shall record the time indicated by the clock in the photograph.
10:37
